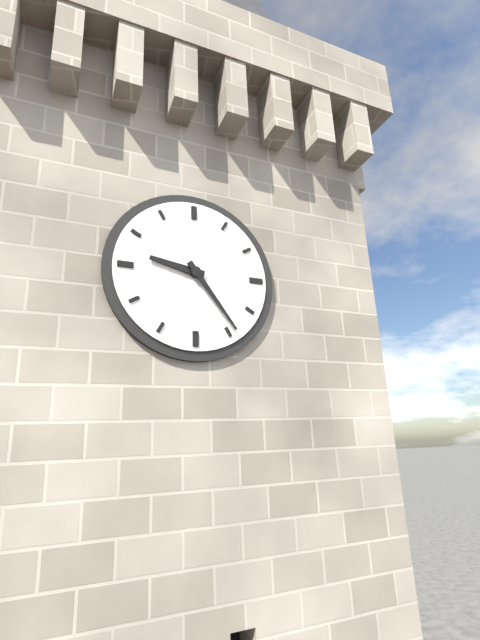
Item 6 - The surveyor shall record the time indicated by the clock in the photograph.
9:24
